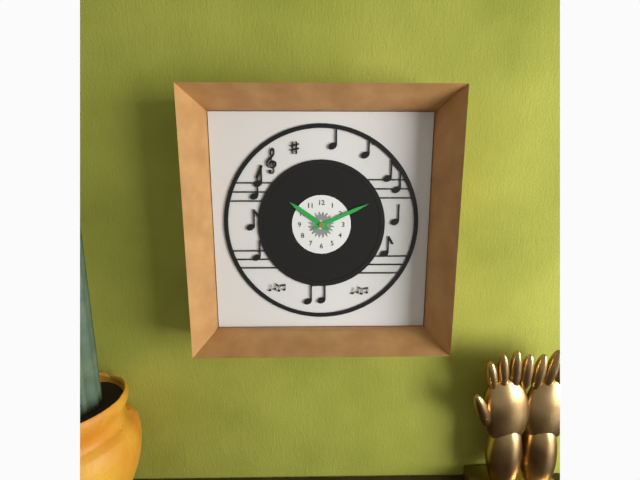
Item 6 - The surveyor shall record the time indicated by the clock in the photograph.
10:11
